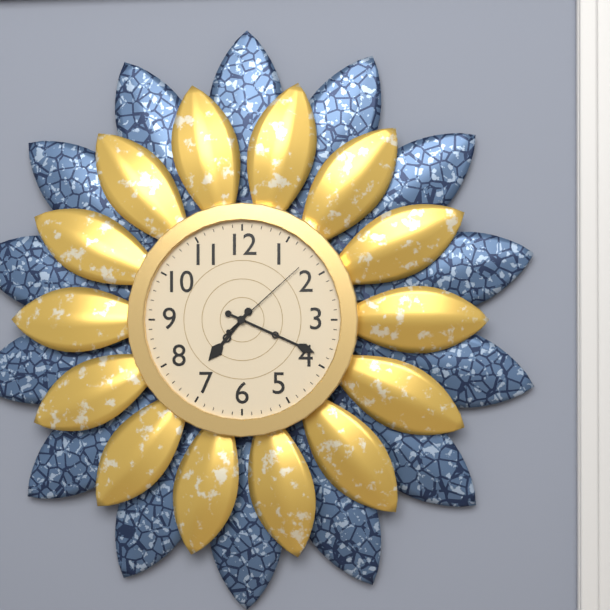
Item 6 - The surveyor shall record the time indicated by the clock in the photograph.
7:19:08
